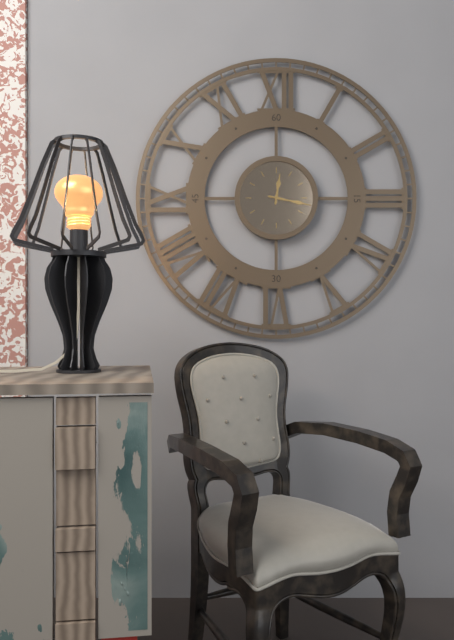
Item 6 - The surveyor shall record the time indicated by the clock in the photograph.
12:17
